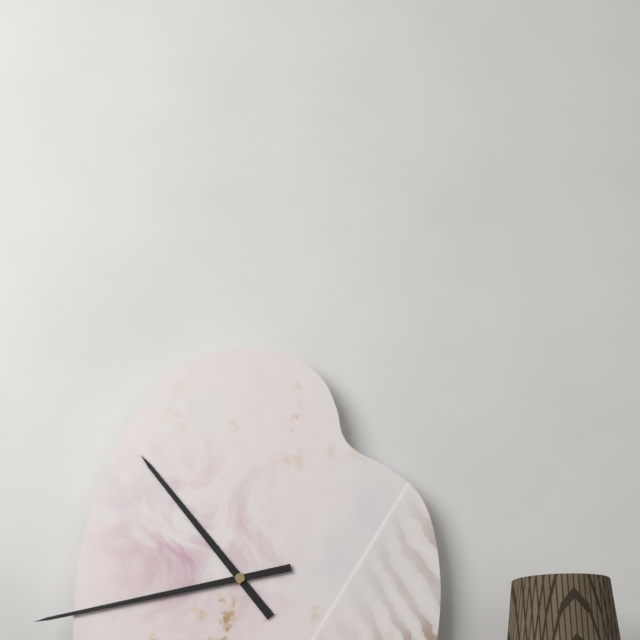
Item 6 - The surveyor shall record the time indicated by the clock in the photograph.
10:43
